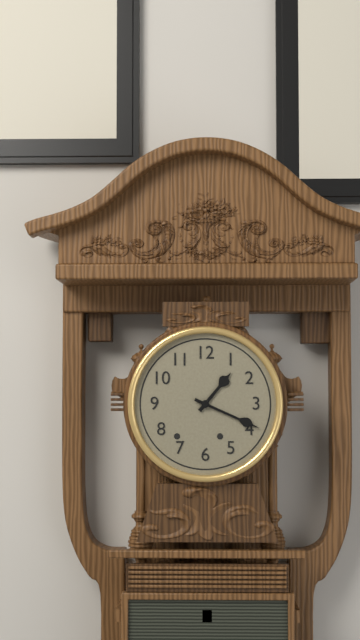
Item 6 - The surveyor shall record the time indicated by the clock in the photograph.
1:19
